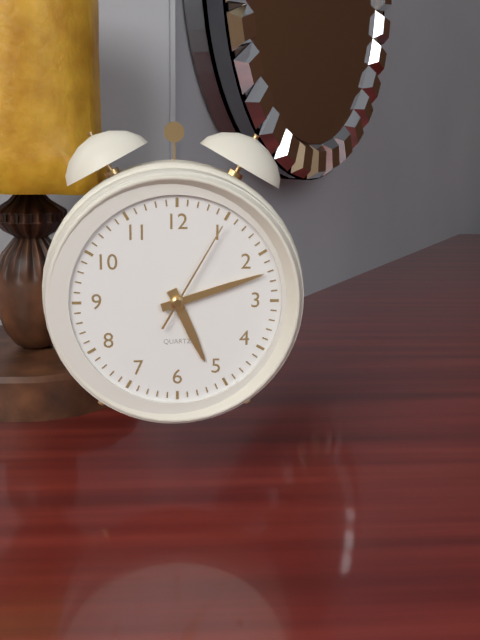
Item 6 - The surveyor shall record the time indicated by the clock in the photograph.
5:12:05
